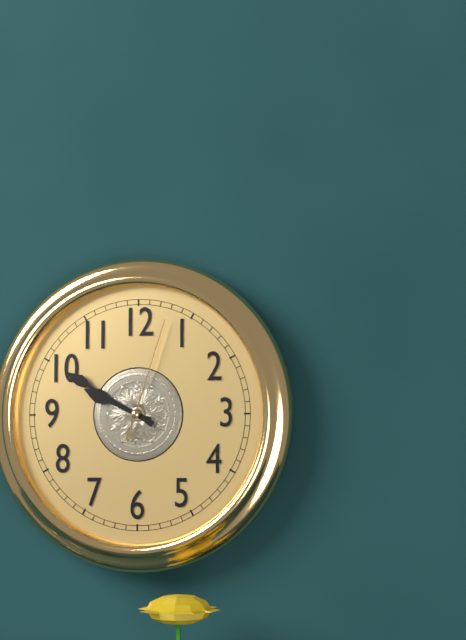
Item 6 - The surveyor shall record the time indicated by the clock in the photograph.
9:50:03
